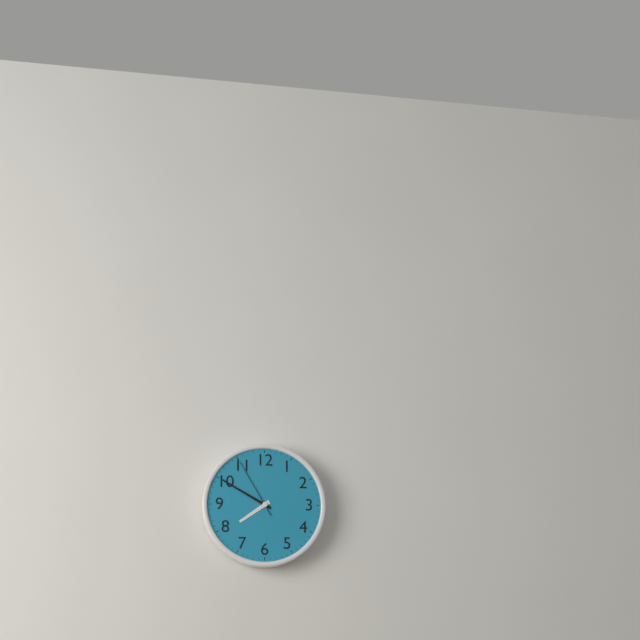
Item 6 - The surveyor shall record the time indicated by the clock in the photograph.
7:50:55
